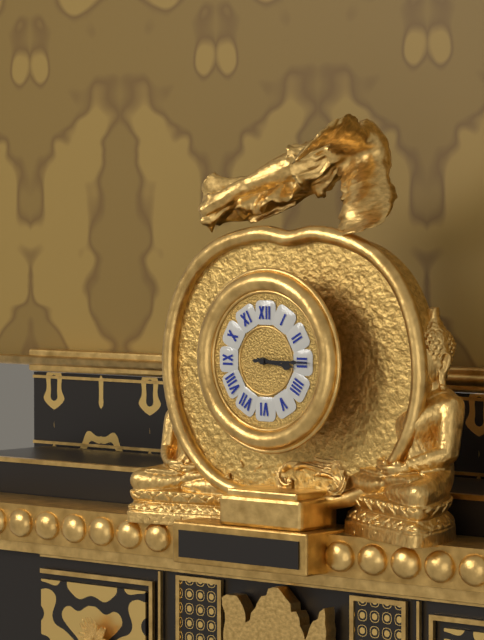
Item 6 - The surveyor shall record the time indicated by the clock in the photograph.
3:15
